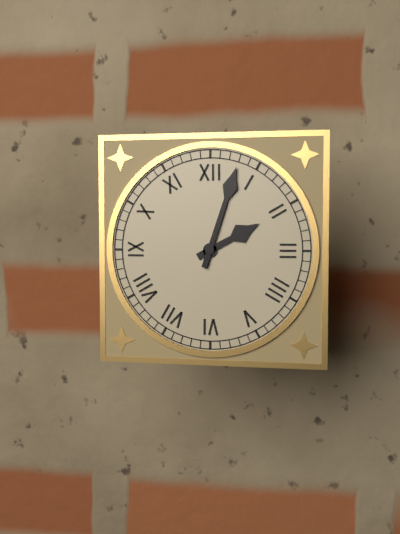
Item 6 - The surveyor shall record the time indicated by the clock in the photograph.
2:03
